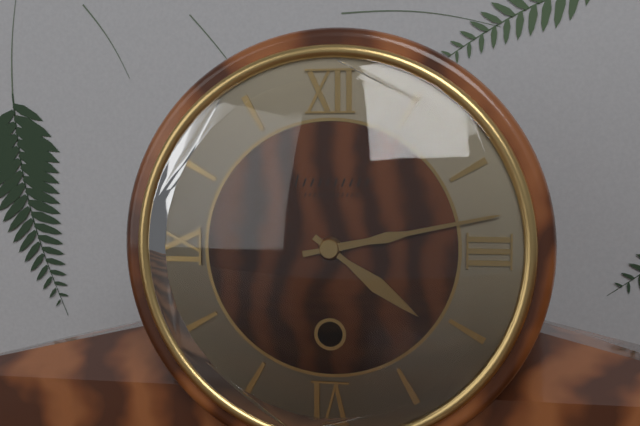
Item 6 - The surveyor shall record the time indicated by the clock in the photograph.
4:13
